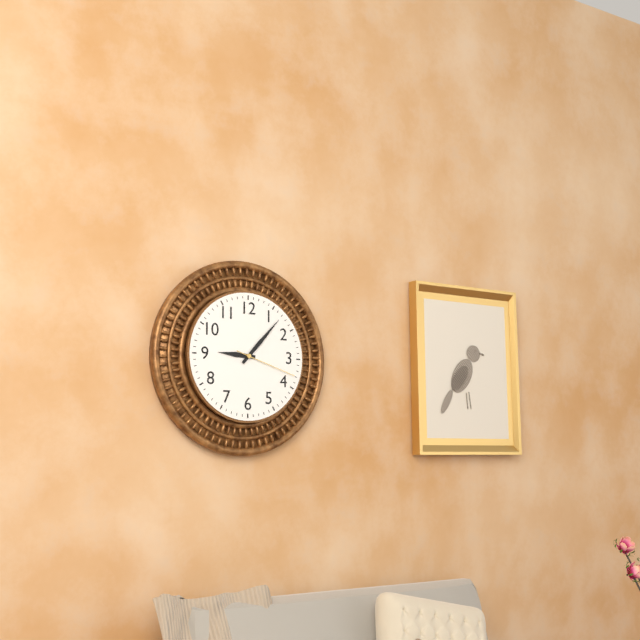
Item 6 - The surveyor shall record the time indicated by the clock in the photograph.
9:07:18
